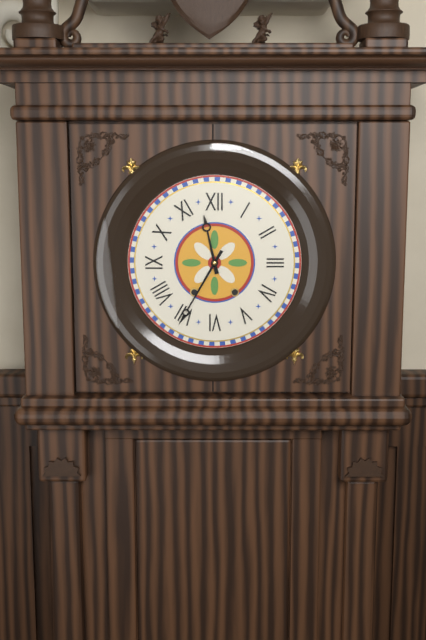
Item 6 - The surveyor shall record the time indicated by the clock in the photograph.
11:35
